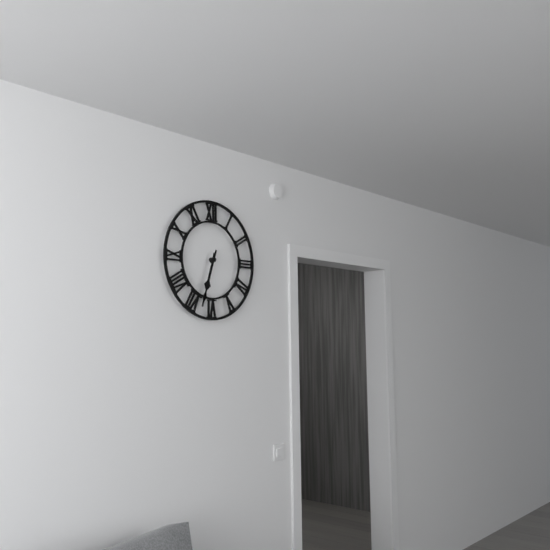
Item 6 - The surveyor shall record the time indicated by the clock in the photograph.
6:33
